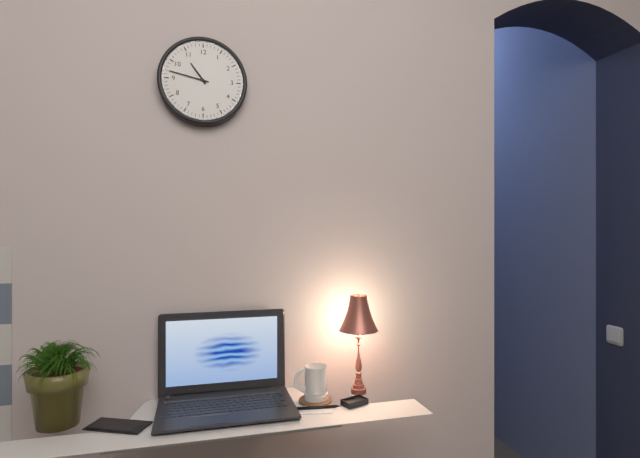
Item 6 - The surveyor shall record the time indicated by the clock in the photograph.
10:47
